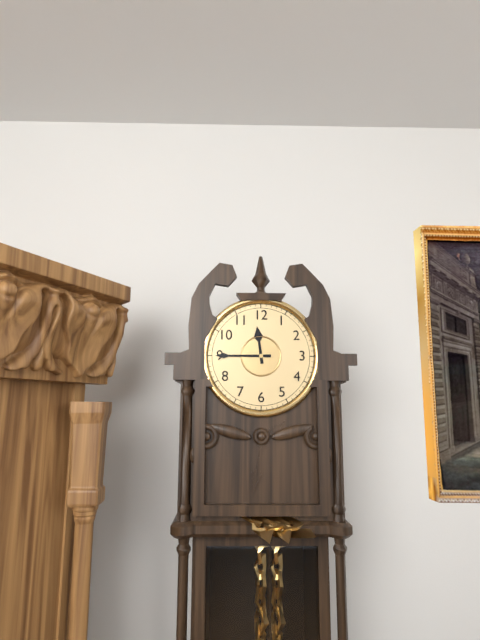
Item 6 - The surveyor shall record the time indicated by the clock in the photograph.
11:45
